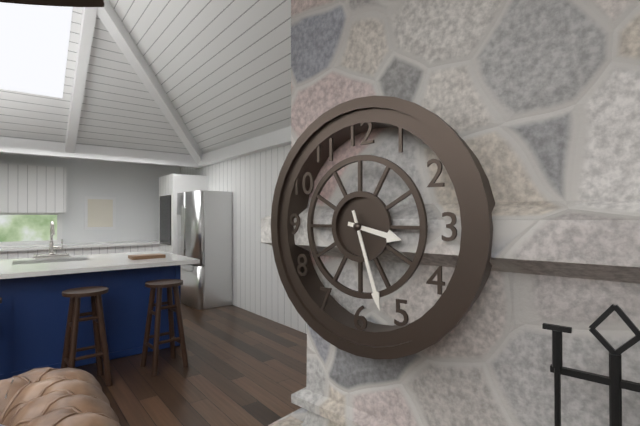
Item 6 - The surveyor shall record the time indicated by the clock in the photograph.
3:27
